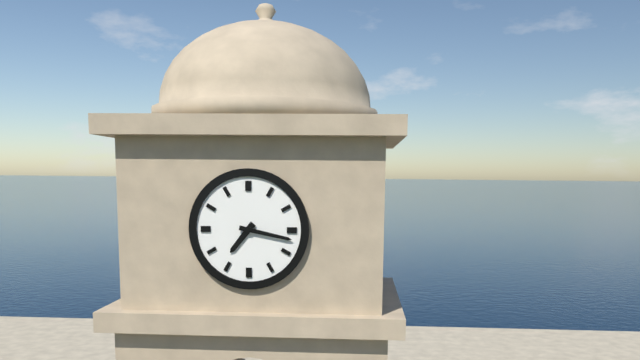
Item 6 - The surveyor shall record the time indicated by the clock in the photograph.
7:17
